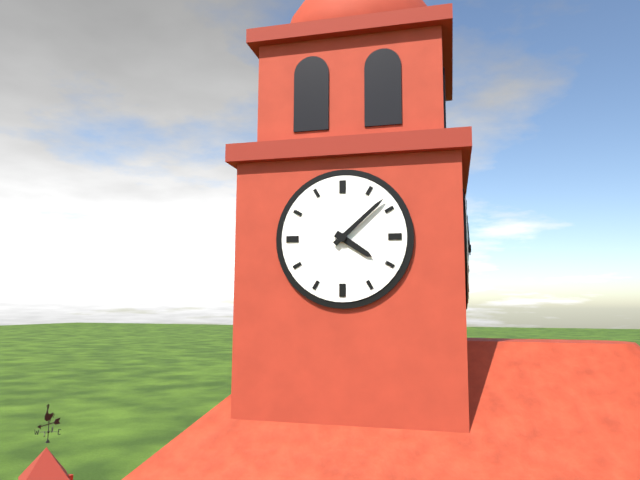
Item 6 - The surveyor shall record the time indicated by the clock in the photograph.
4:08
